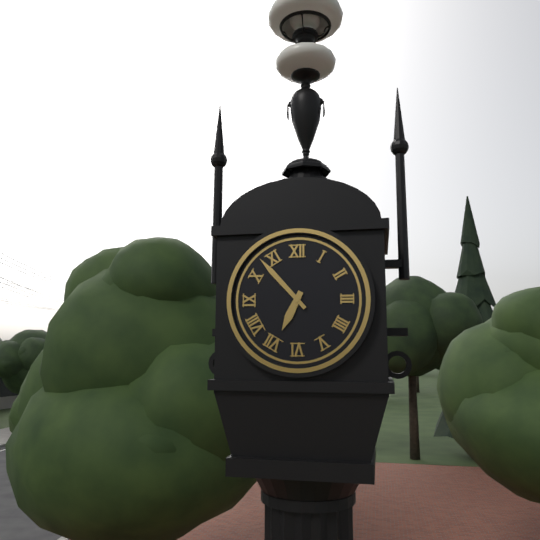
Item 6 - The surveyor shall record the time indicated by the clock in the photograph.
6:53
